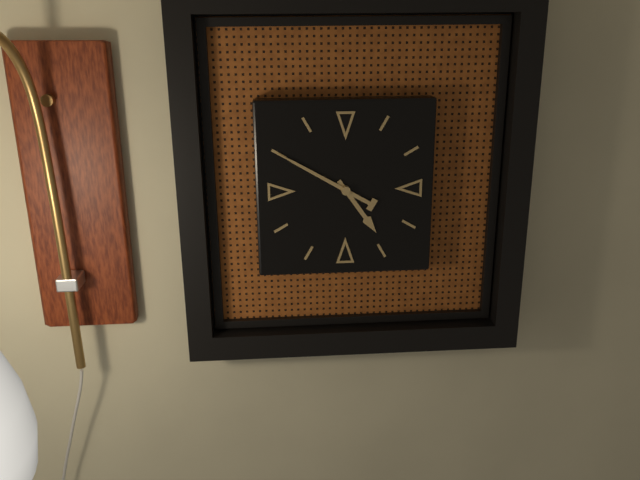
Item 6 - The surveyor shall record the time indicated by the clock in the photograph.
4:50
